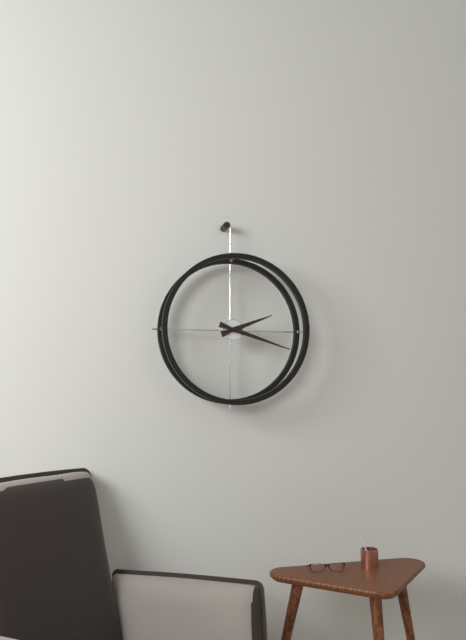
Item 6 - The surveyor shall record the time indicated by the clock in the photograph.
2:18
